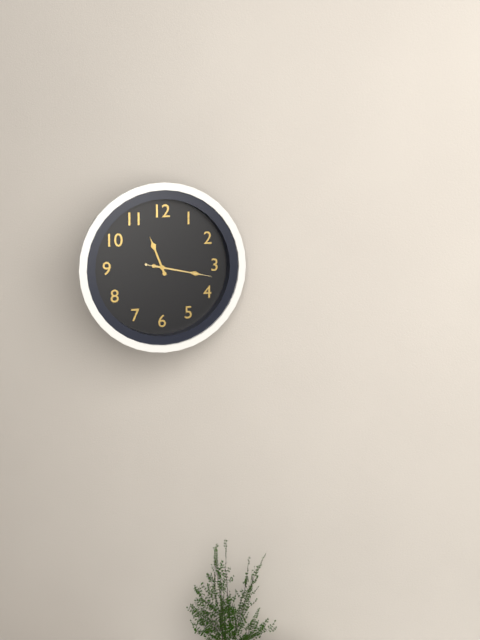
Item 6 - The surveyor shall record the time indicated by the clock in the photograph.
11:17:17
